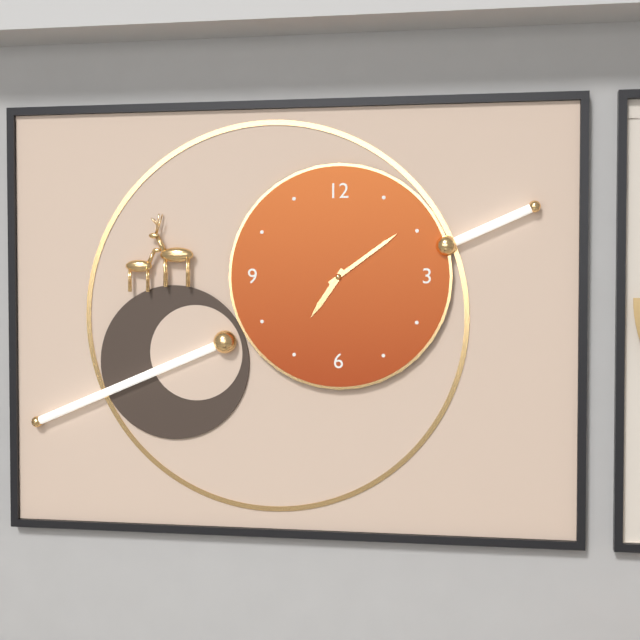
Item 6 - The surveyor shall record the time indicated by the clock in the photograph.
7:09
